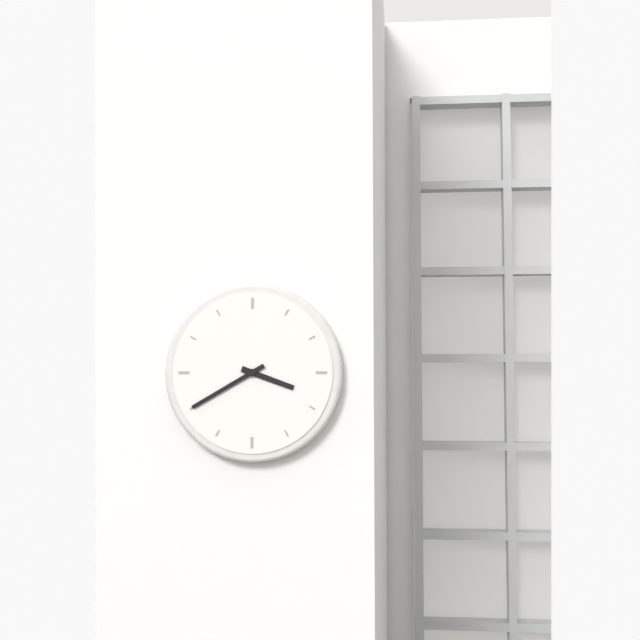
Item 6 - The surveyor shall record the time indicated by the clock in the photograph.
3:40
